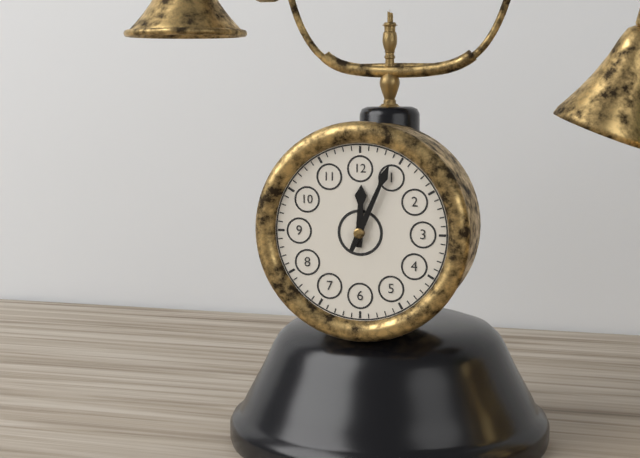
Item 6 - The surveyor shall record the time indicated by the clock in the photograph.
12:04
